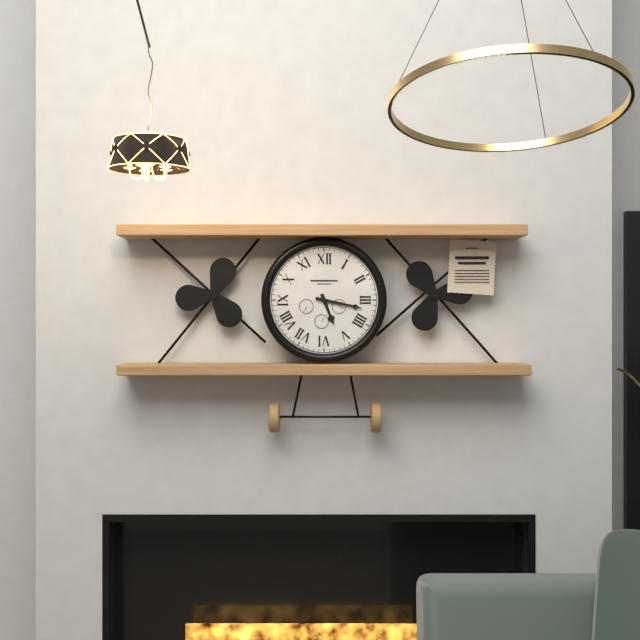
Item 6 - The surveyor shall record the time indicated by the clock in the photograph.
5:17
